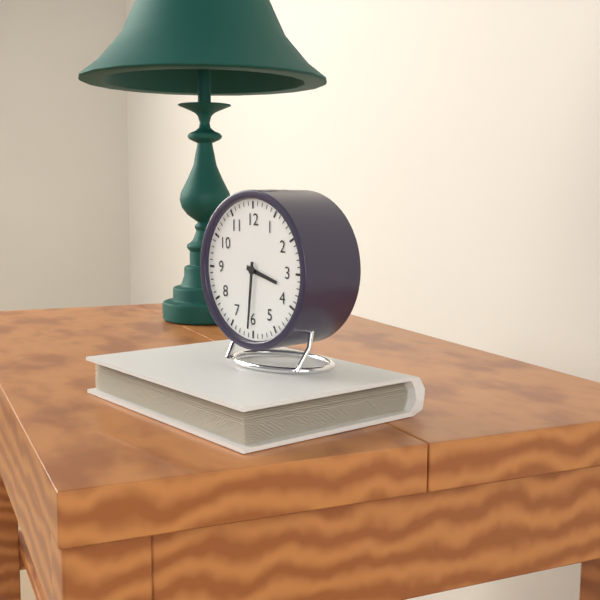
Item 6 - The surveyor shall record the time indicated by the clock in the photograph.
3:31
